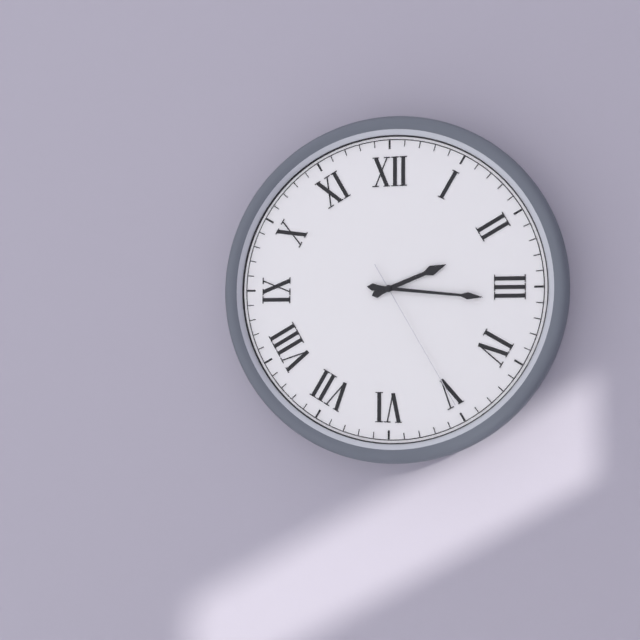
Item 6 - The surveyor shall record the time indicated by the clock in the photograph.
2:16:25
